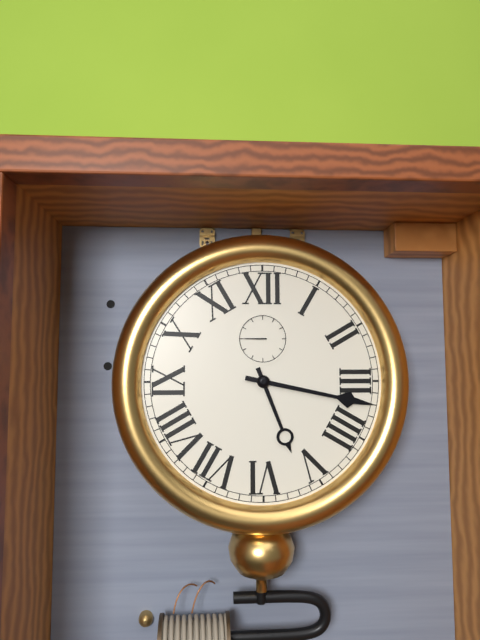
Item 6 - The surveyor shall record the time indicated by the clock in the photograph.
5:17
